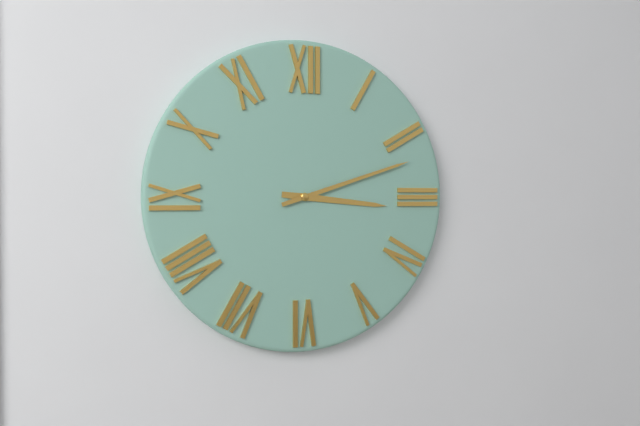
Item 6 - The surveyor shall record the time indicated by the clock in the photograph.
3:12
